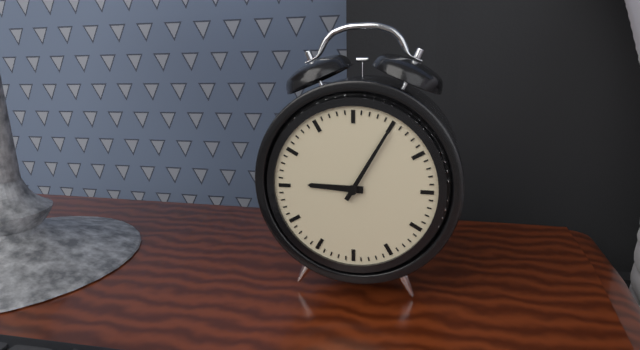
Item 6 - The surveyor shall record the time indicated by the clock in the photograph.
9:05
